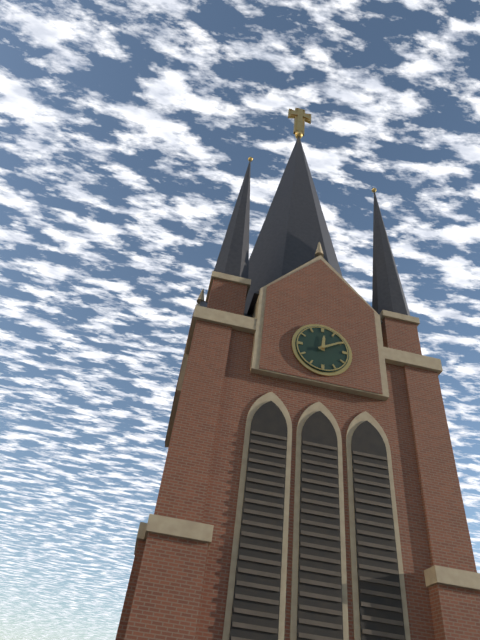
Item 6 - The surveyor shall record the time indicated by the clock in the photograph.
12:10
